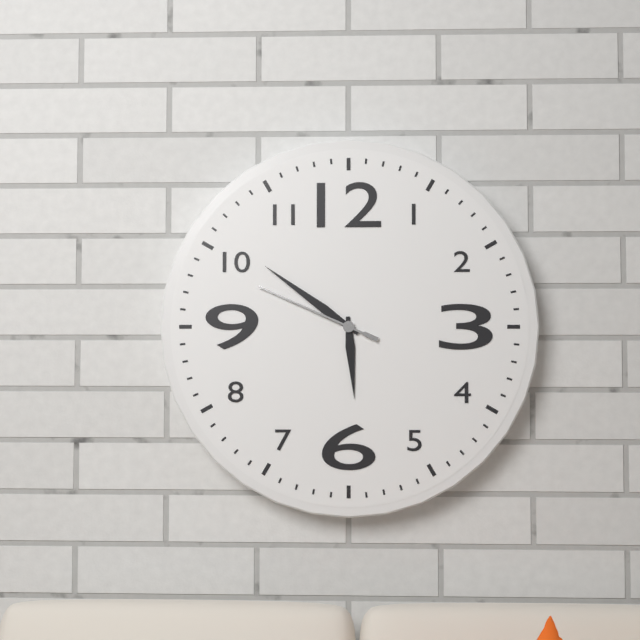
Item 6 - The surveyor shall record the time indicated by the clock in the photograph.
5:51:49
